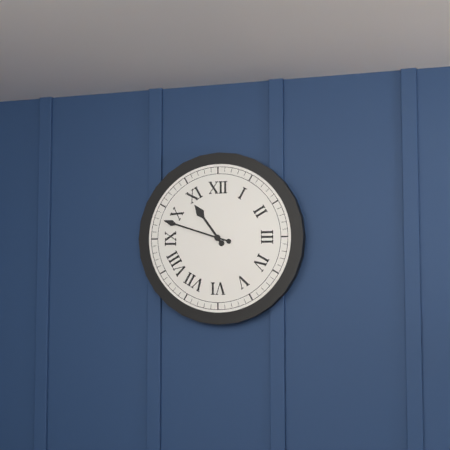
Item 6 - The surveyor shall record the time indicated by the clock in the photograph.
10:48
